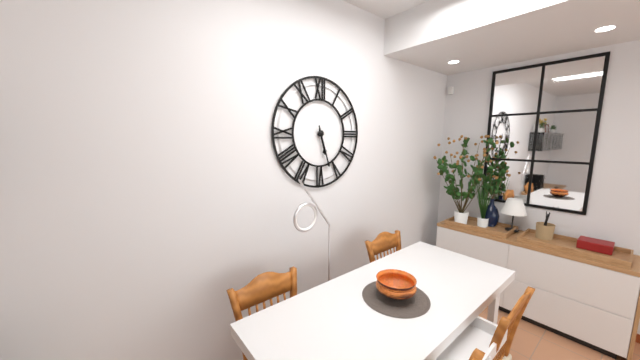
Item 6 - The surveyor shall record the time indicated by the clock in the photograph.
5:27
